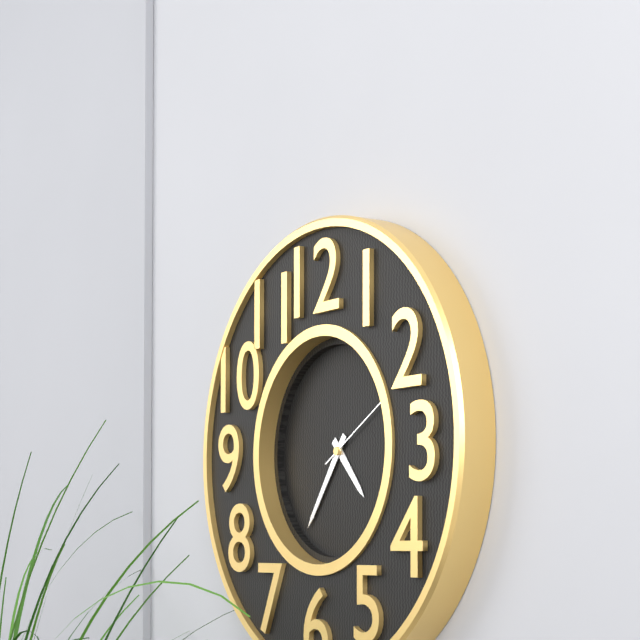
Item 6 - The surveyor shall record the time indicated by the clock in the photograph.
4:36:10
